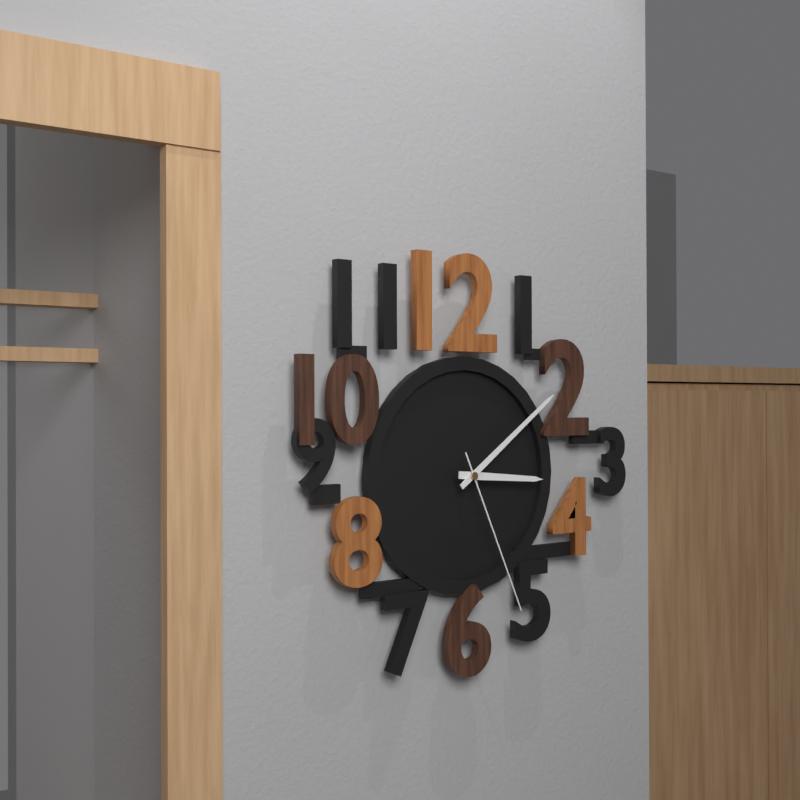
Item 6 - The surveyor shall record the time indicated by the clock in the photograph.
3:09:26
